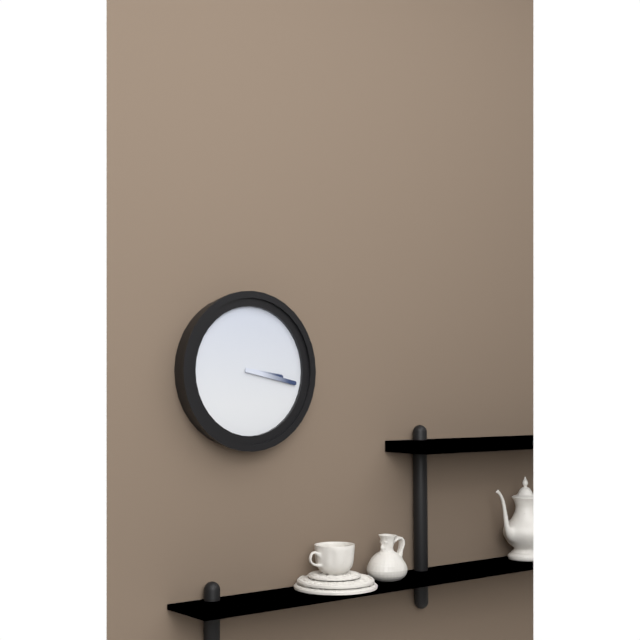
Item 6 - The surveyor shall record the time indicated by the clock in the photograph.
3:17
